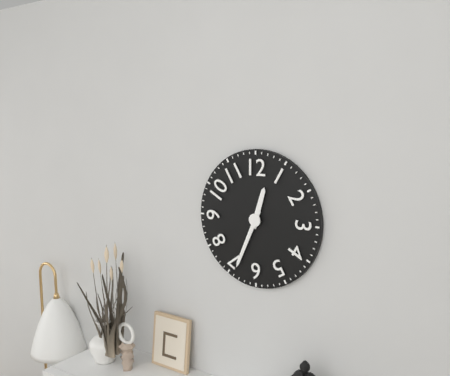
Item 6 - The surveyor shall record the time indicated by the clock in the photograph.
12:34
